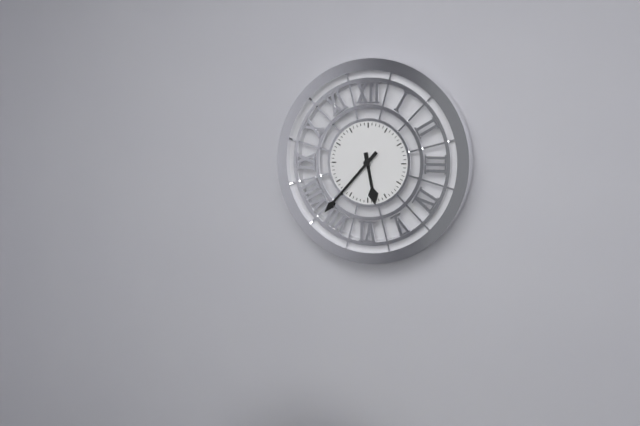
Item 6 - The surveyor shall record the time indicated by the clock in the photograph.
5:37
